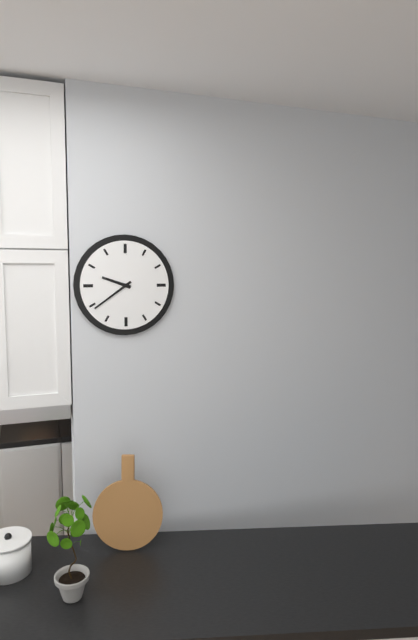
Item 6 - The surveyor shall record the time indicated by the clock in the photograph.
9:39
